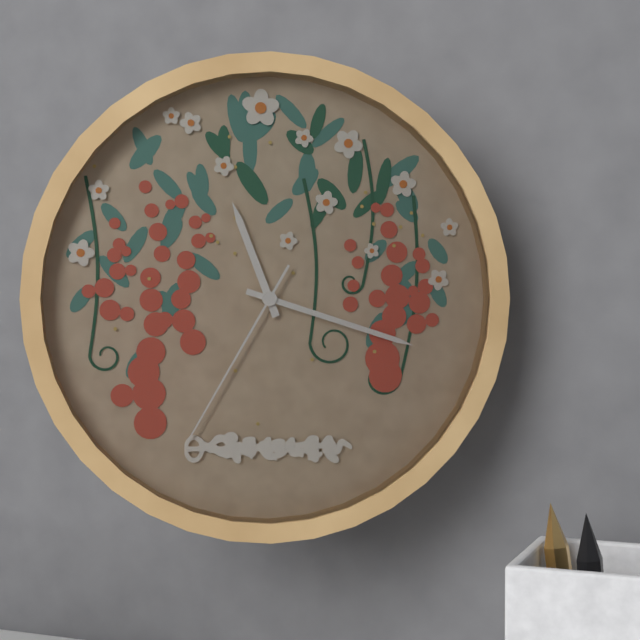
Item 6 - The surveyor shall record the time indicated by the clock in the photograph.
11:18:35
